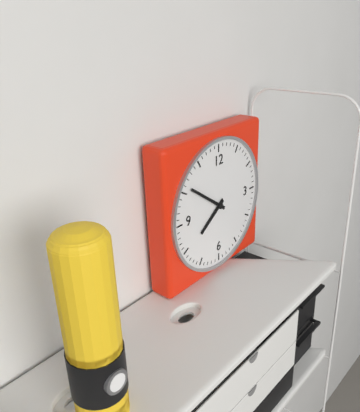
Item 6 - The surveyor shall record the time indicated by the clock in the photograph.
7:51
